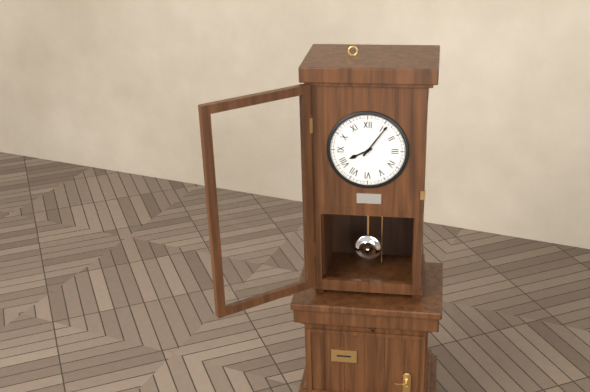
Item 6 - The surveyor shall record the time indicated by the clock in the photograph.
8:06
